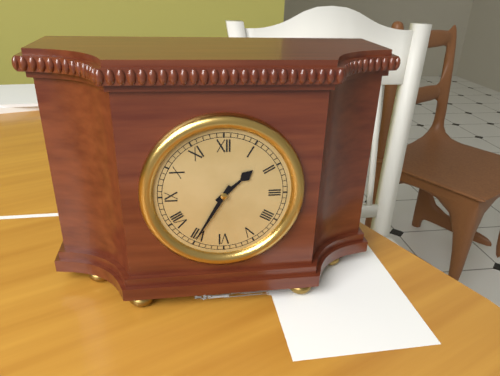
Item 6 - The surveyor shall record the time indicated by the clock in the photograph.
1:35
